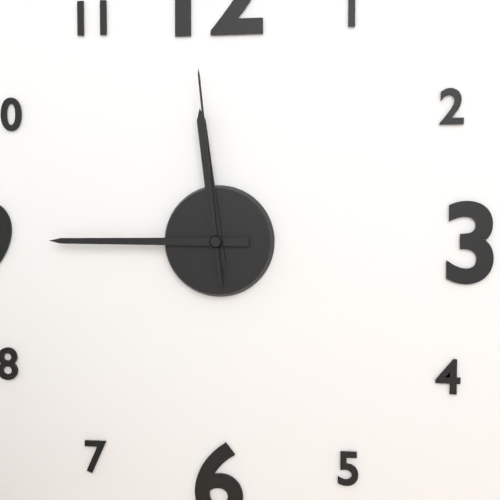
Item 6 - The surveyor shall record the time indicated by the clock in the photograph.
11:45:59
